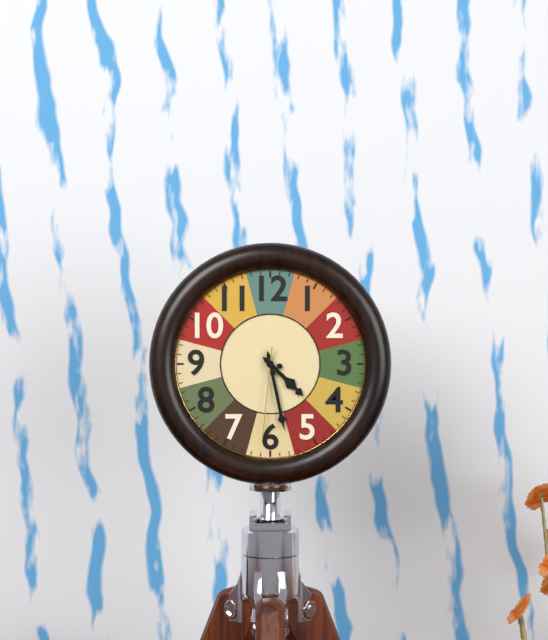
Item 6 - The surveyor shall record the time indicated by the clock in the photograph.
4:28:31
